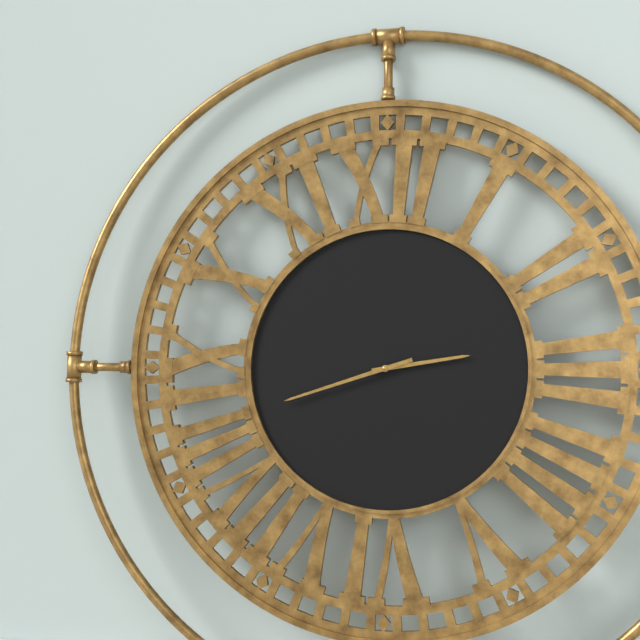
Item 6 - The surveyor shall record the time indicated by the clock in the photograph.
2:42
